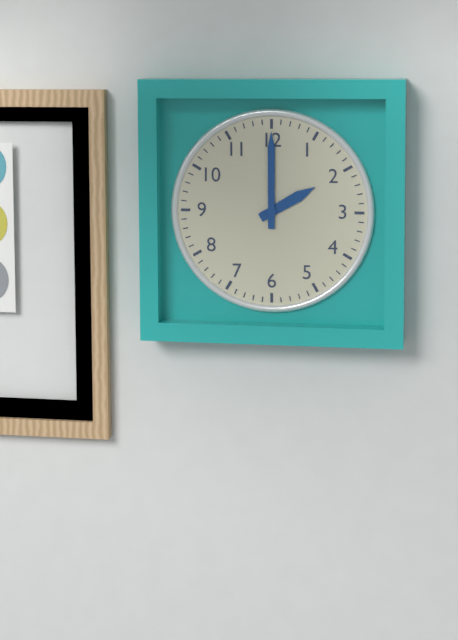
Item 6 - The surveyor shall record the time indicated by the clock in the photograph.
2:00
